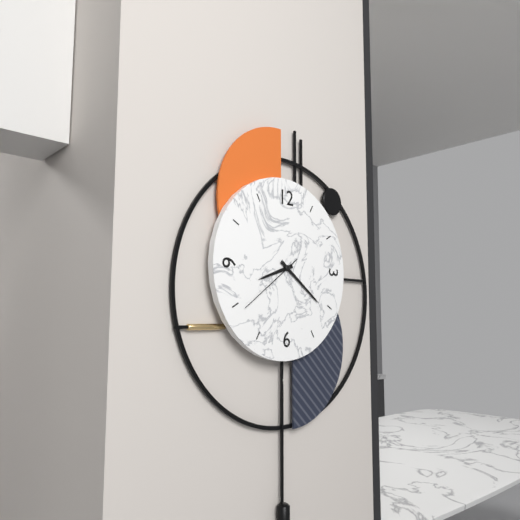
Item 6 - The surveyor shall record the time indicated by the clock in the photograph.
8:21:39
